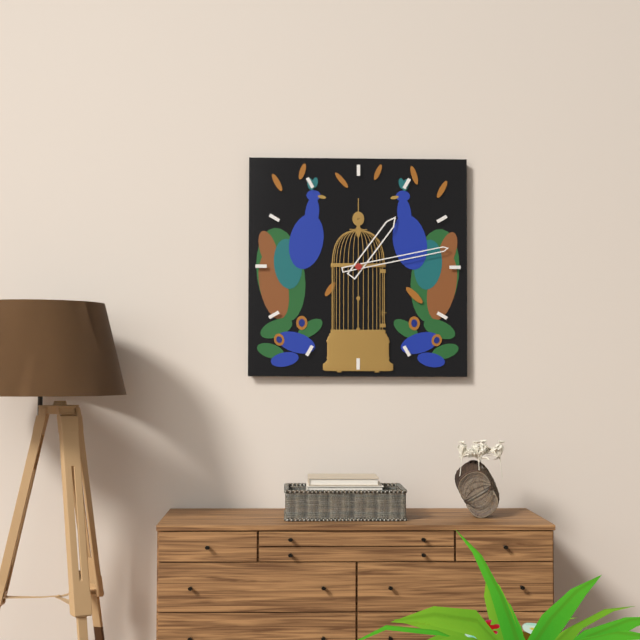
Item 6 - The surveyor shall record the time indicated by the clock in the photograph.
1:13
